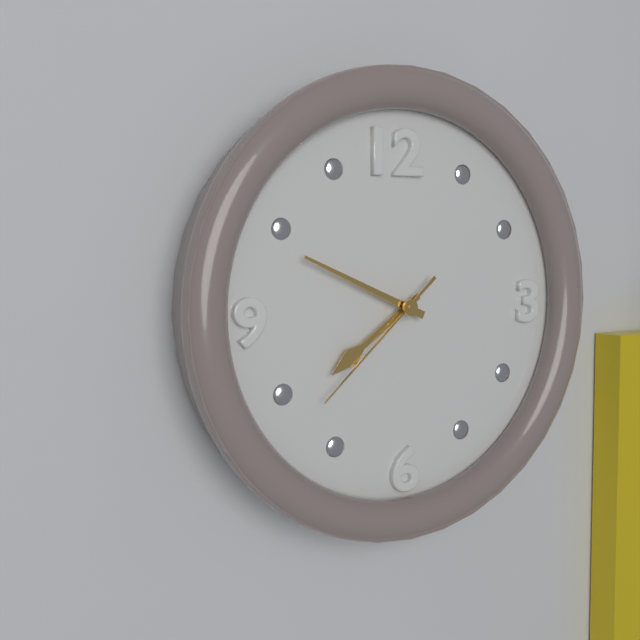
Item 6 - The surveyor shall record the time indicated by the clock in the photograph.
7:49:38
